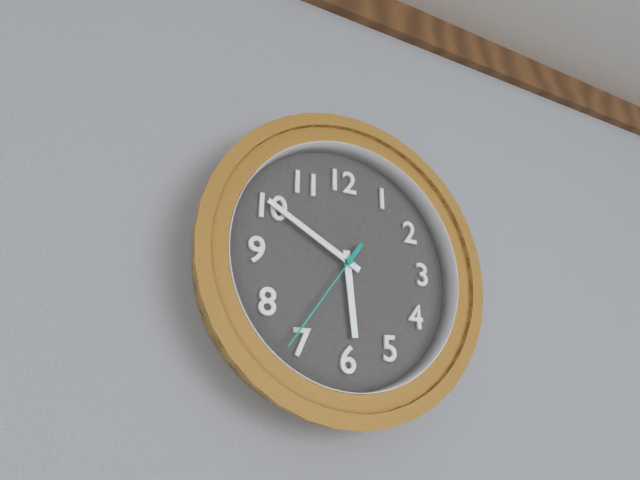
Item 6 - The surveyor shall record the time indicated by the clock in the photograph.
5:50:36
